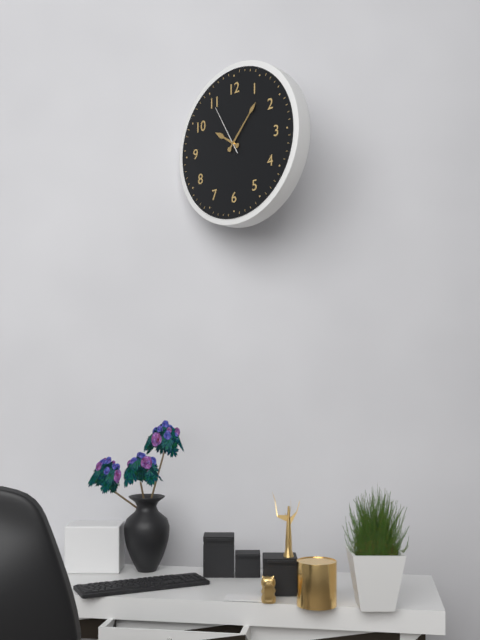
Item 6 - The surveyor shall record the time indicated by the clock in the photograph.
10:07
